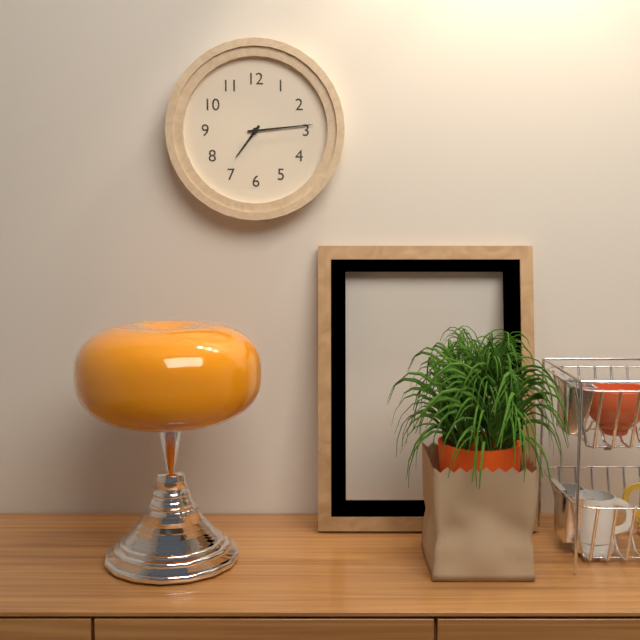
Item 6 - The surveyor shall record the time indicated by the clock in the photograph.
7:14
